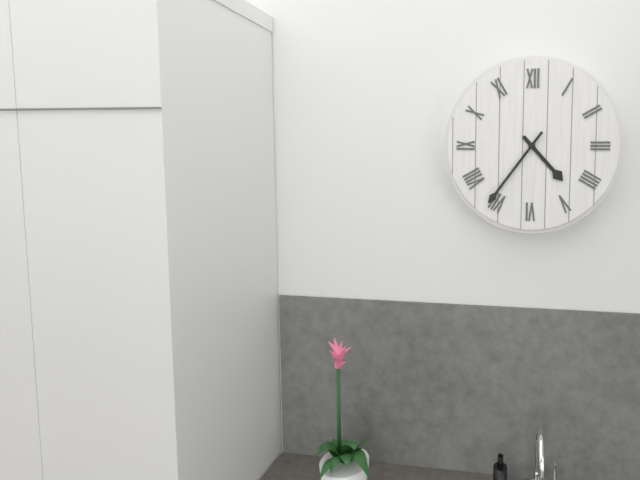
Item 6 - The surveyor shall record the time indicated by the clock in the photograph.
4:36
